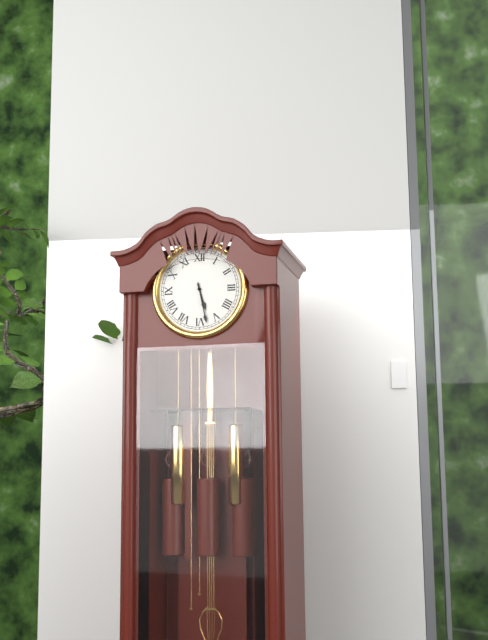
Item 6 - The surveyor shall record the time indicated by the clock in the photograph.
5:28
